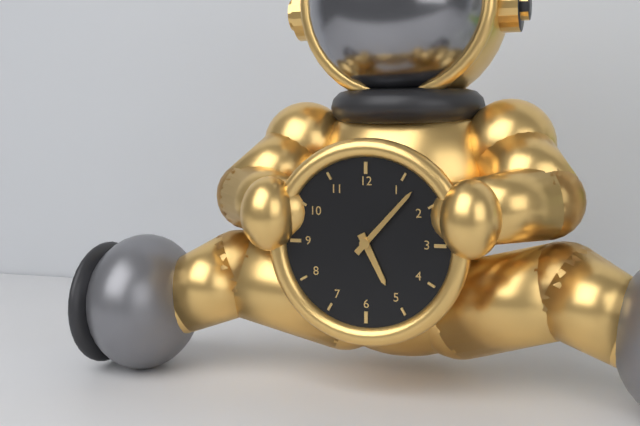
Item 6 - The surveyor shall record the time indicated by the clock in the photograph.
5:07
